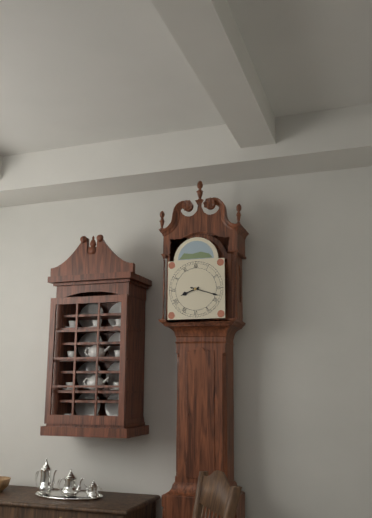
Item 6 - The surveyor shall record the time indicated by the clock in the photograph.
8:18
